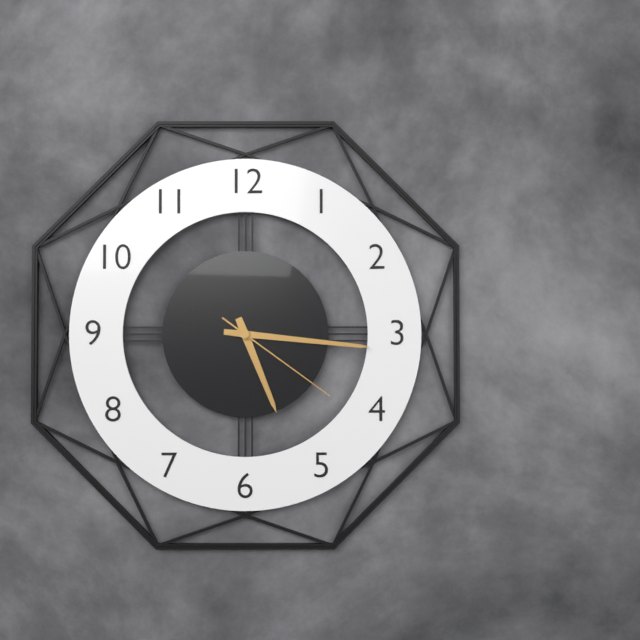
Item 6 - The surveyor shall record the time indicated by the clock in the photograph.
5:16:21
